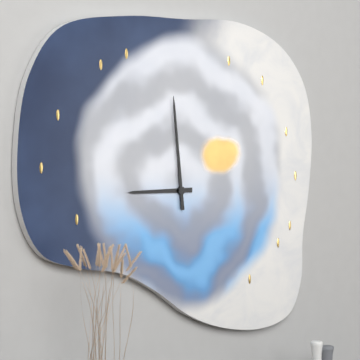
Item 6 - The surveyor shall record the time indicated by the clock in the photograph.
8:59
